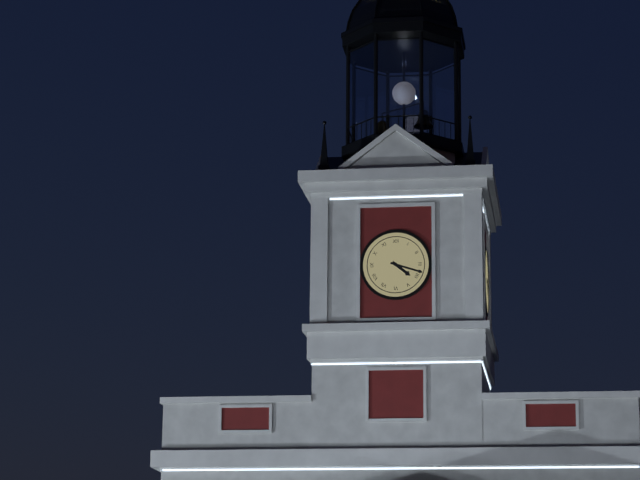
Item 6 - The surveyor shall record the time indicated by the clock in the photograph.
4:18
